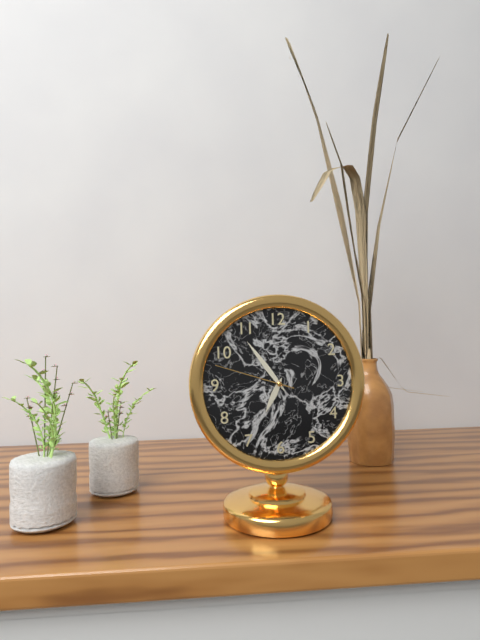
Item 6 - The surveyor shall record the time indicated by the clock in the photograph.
6:54:48
